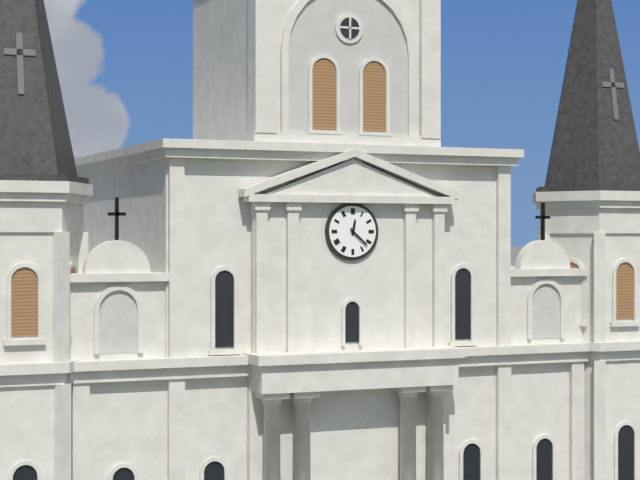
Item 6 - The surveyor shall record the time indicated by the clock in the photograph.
12:22
